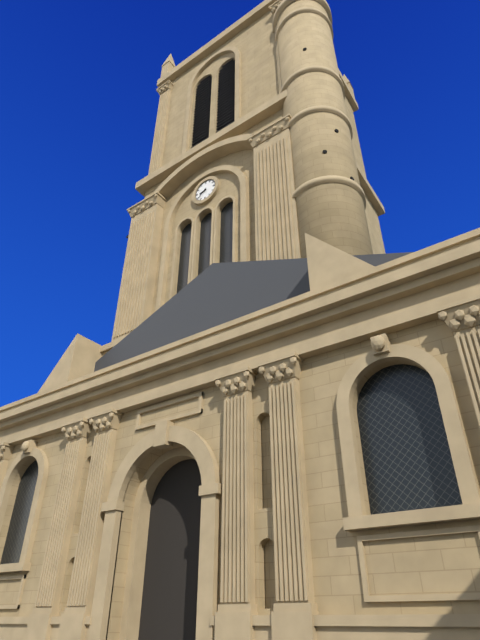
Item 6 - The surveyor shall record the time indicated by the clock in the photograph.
8:38
